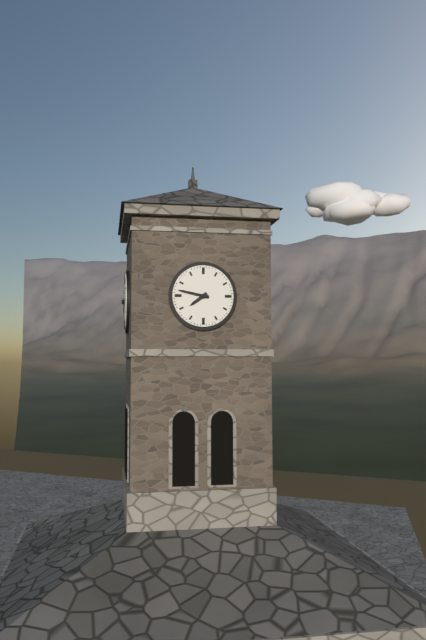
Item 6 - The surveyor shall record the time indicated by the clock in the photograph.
7:47
